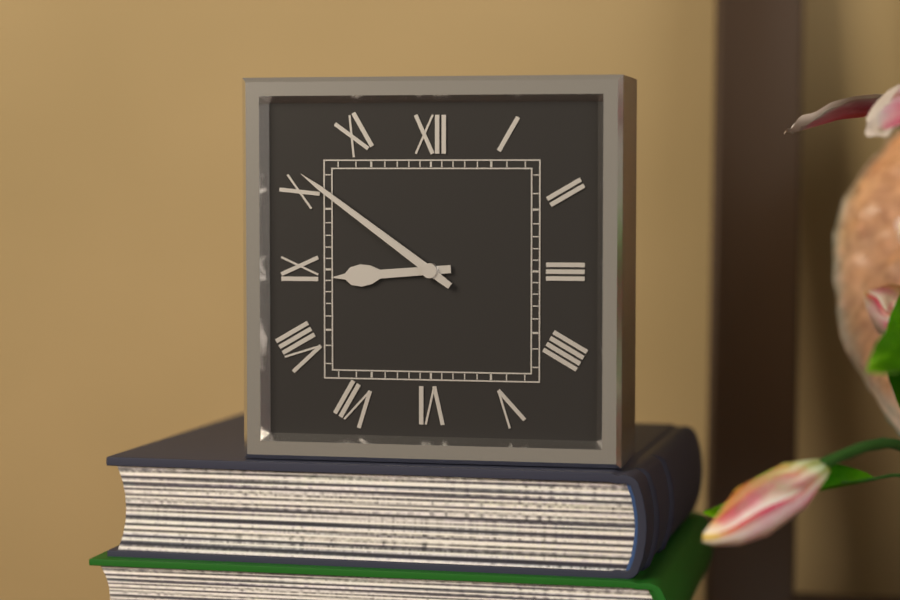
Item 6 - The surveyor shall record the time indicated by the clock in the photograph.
8:51
